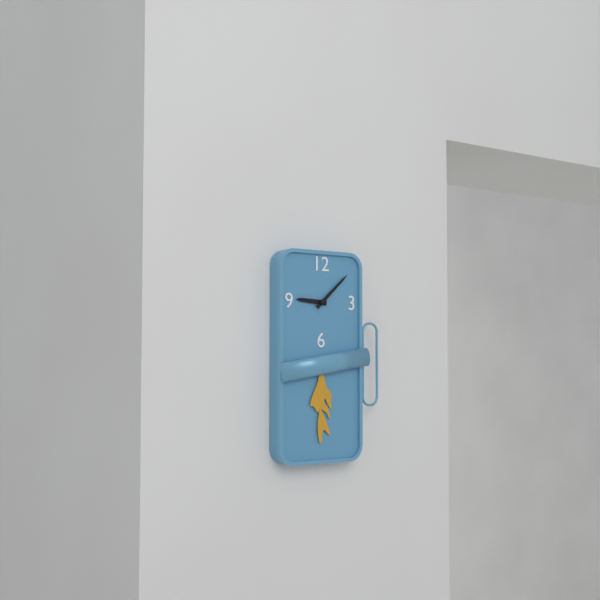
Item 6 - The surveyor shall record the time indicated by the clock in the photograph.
9:08
